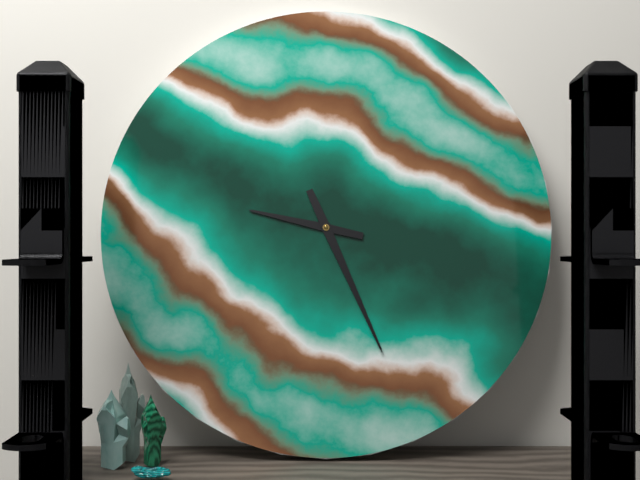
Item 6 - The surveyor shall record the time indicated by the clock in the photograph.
9:26
